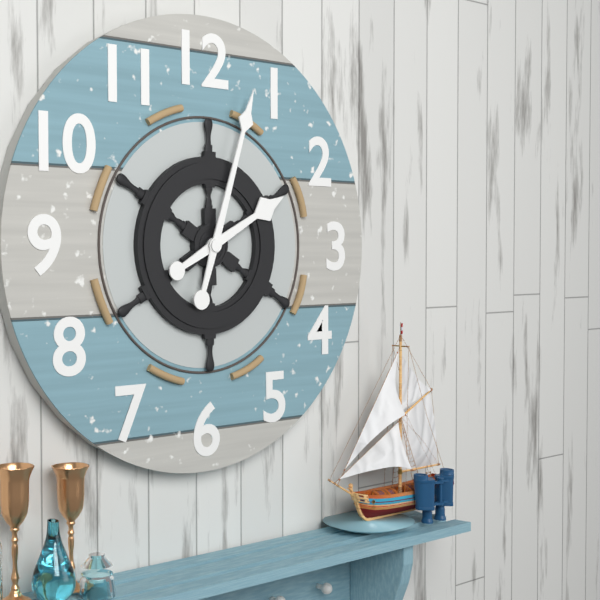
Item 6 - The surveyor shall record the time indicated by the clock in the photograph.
2:03
